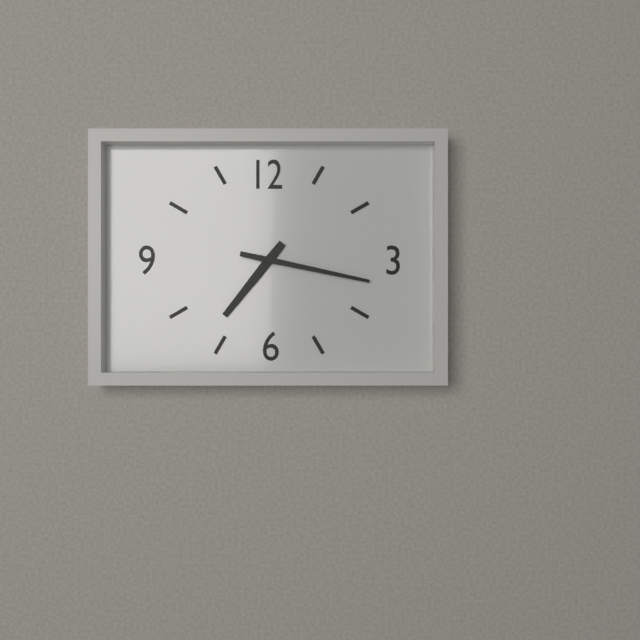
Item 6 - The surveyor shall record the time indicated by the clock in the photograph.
7:17
